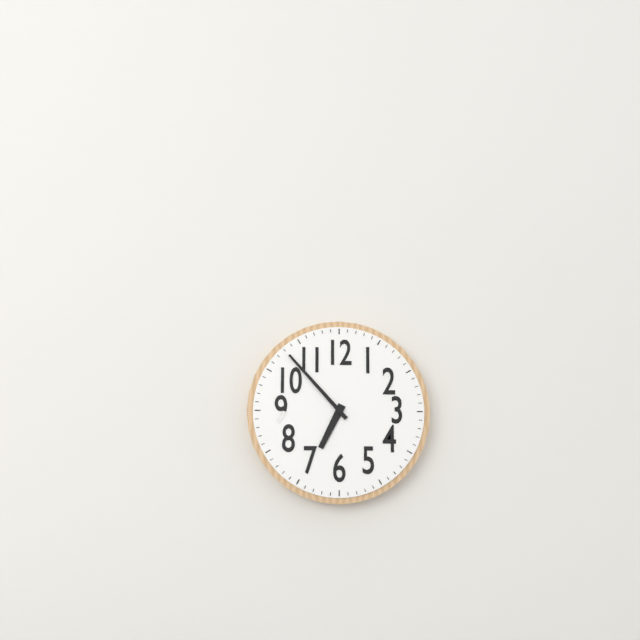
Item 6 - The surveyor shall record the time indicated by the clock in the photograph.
6:53
